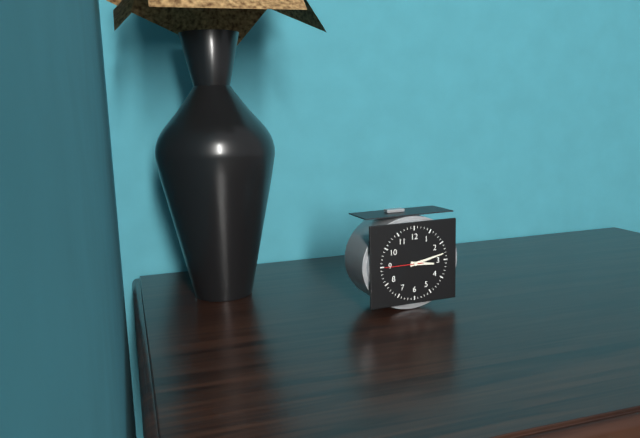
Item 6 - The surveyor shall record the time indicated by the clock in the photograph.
3:13
